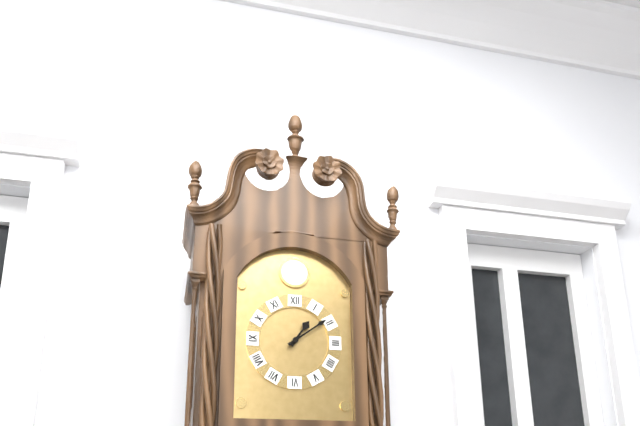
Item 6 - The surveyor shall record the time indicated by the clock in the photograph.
1:09
